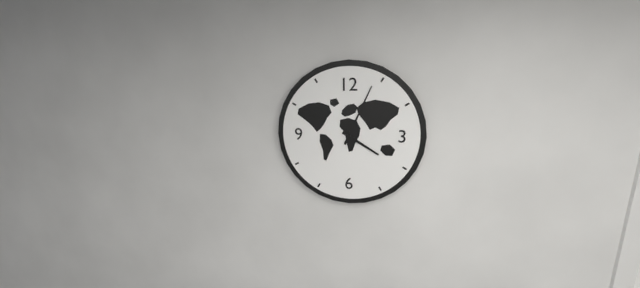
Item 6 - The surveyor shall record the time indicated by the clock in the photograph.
4:04
